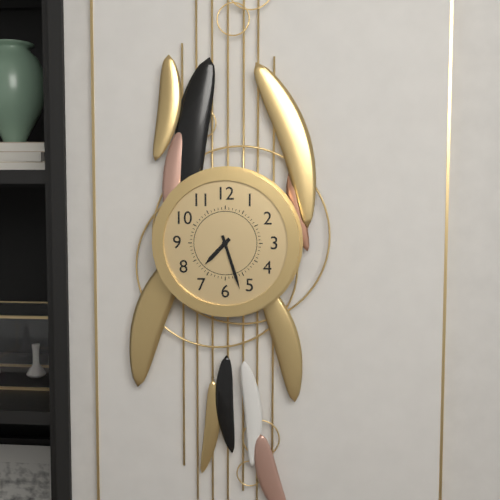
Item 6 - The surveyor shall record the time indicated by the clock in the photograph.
7:27
